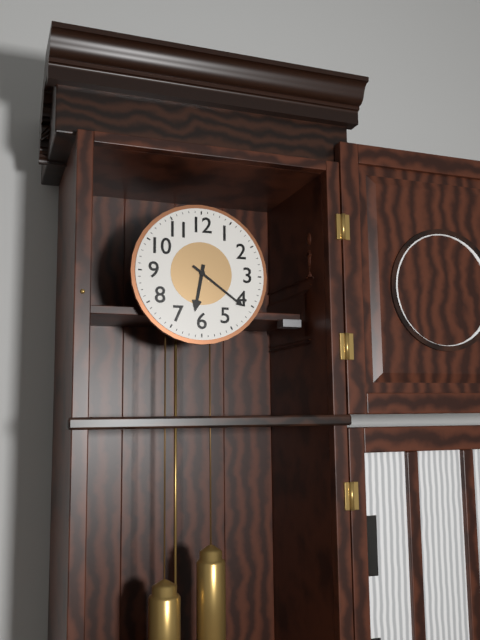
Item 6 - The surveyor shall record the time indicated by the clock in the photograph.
6:21
